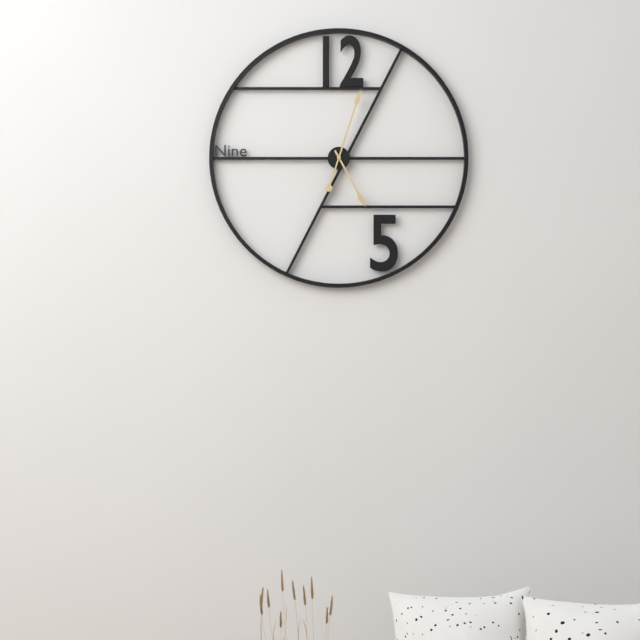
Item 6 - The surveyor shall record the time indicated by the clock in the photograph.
5:03
